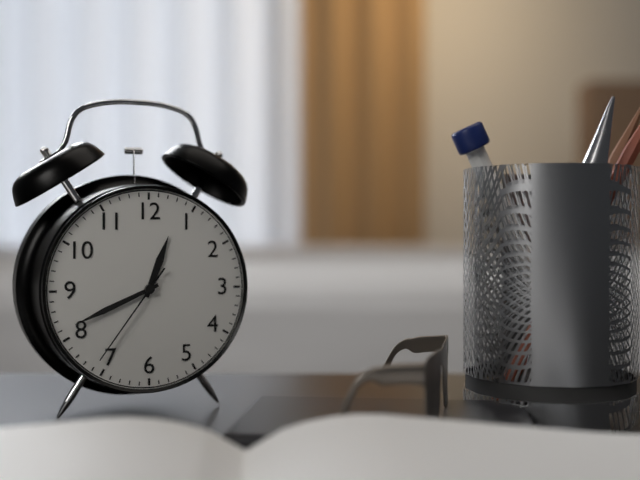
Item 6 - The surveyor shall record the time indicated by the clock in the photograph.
12:41:36
